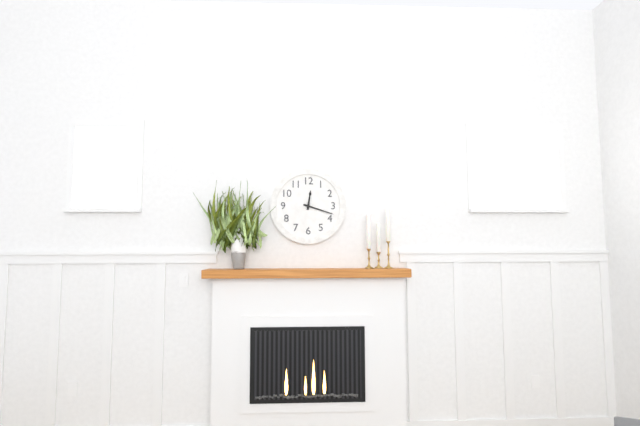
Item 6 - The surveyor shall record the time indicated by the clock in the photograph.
12:18
